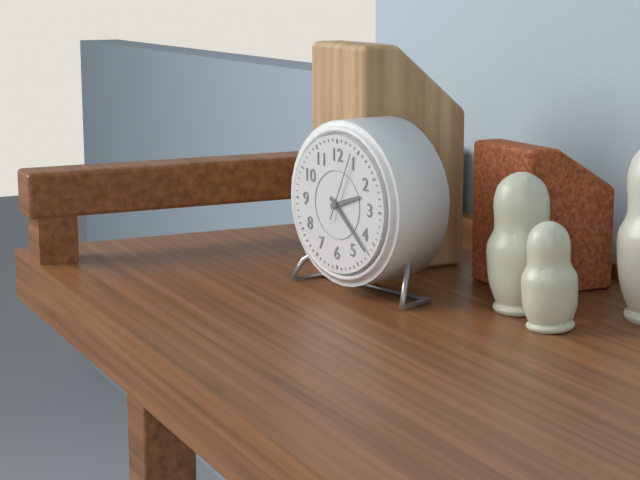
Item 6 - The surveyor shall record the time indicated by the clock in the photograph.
2:22:04
